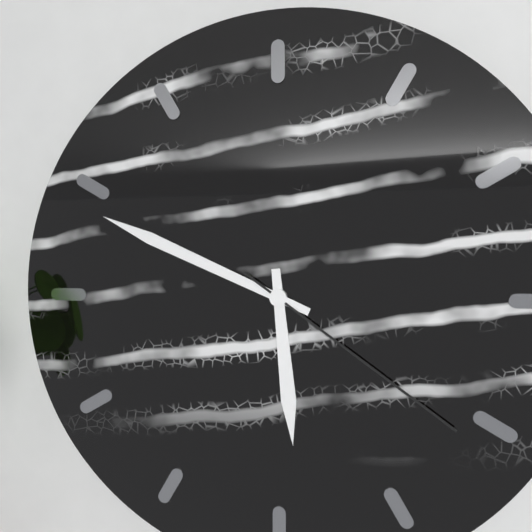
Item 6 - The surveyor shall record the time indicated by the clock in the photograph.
5:49:21
